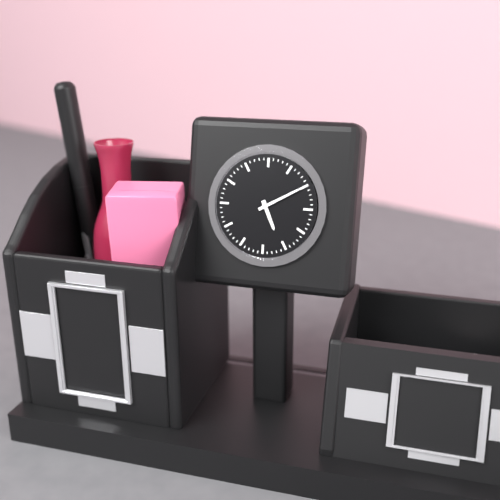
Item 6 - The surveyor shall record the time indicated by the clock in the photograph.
5:10
